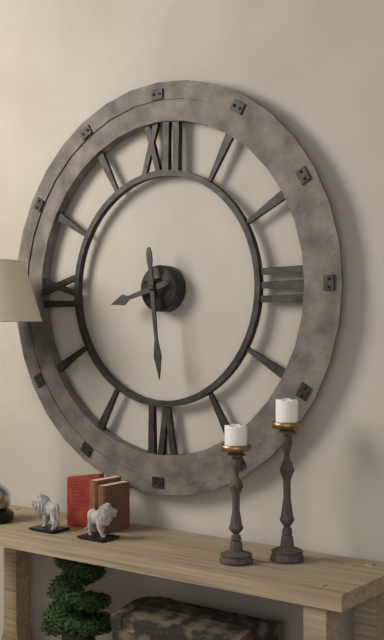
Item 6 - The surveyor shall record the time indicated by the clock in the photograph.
8:29
